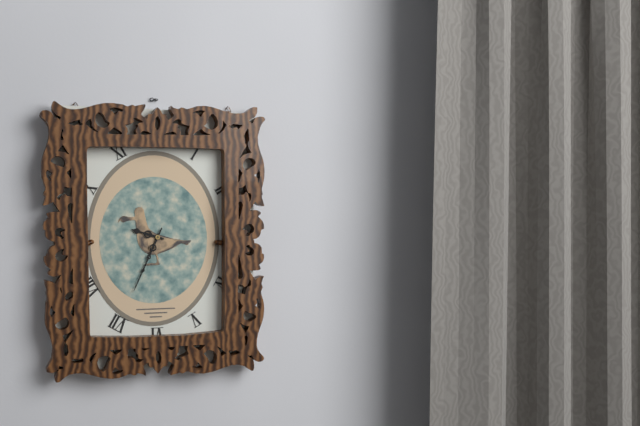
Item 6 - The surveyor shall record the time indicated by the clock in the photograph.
9:34
